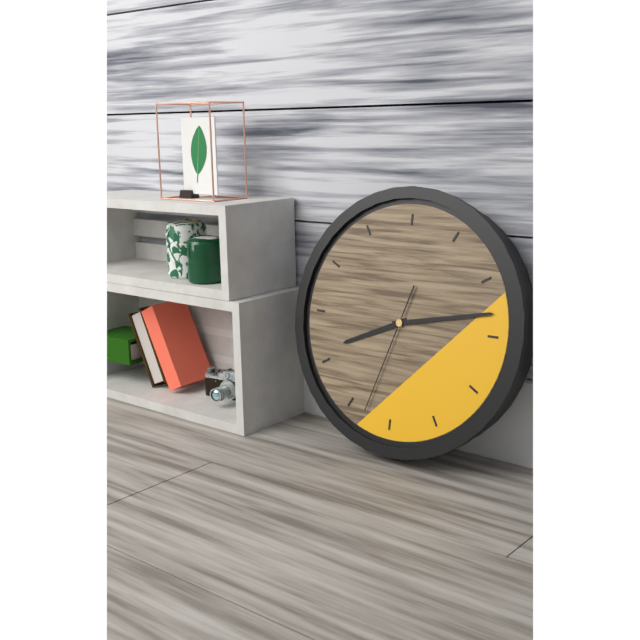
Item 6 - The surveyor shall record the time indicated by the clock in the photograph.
8:13:33
